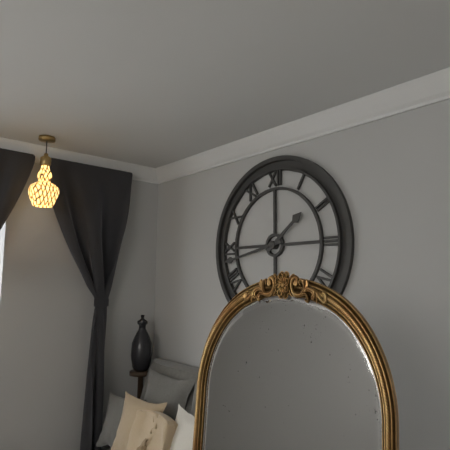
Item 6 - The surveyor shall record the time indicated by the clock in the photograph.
1:43
